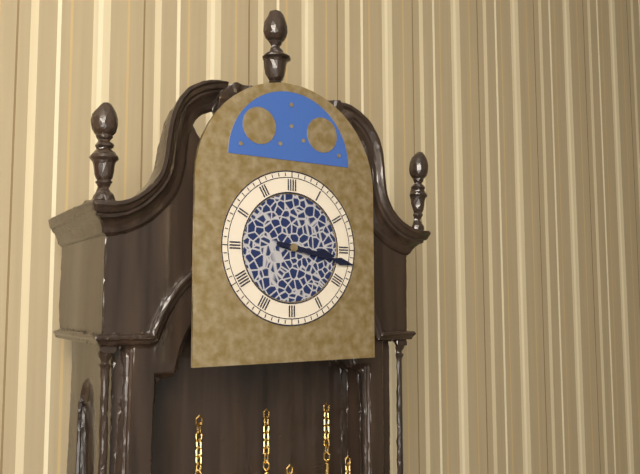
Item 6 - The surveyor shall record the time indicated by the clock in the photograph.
3:17
